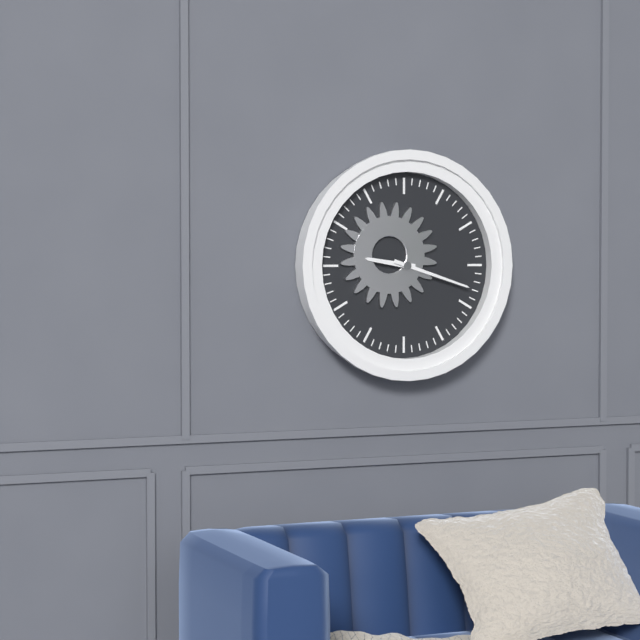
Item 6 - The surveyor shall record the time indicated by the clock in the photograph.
9:18
